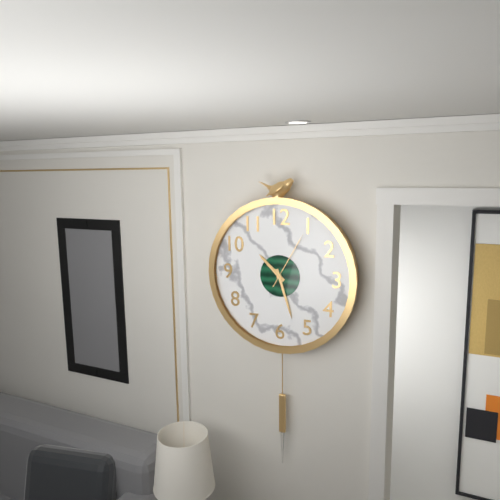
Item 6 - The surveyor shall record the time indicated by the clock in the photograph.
10:27:05
